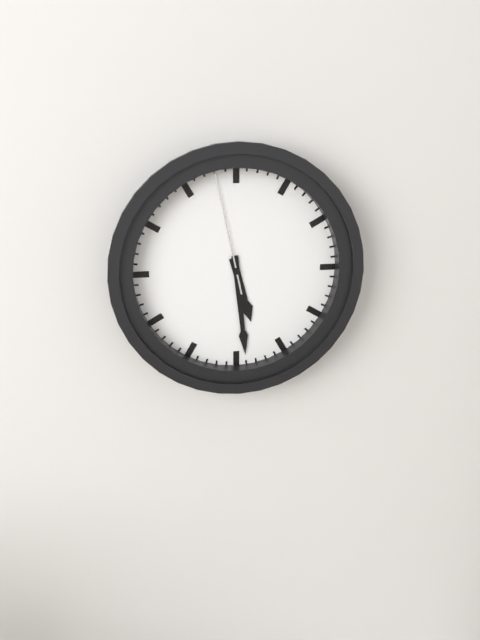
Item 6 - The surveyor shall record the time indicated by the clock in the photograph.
5:29:58
